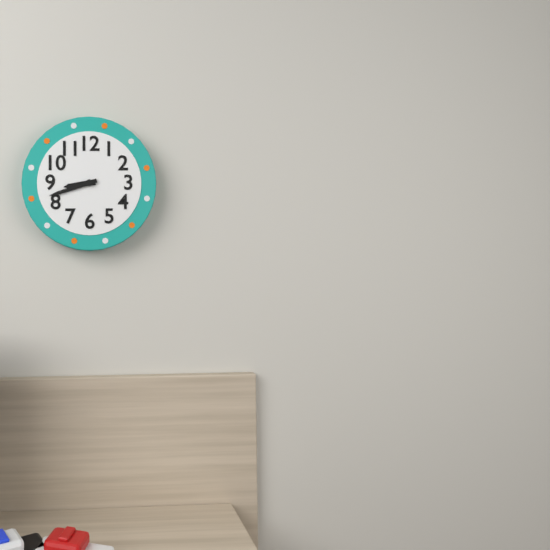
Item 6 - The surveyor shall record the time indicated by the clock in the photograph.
8:42
